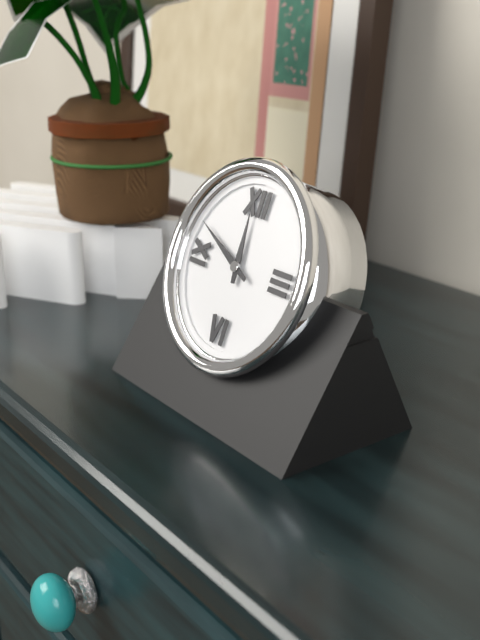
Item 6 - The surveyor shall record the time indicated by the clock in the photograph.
11:49
